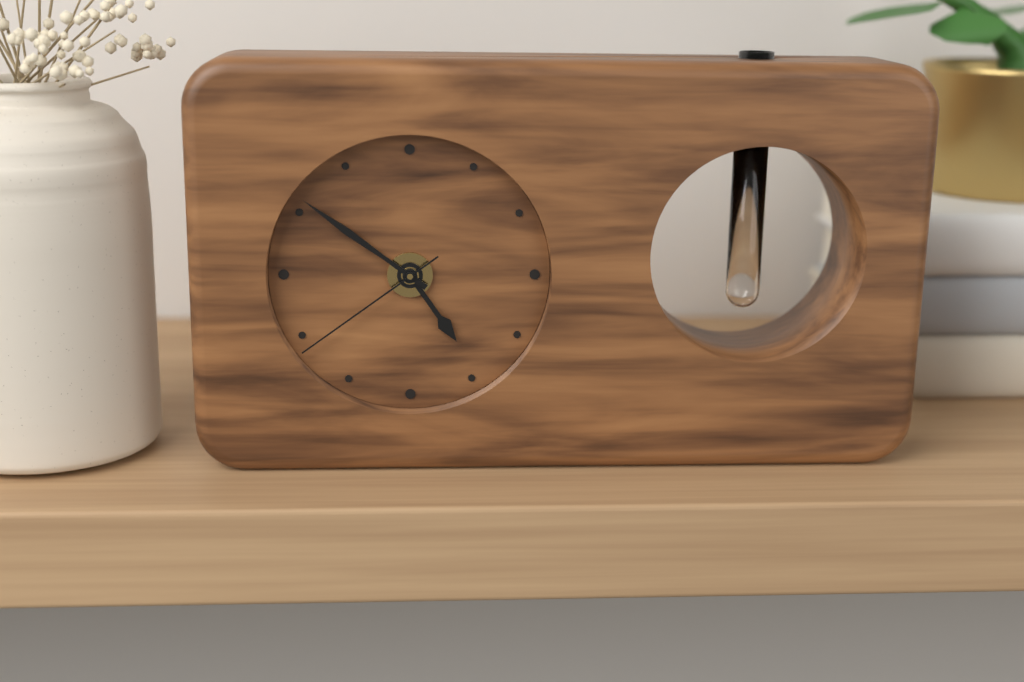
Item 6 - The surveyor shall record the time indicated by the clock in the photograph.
4:51:39
